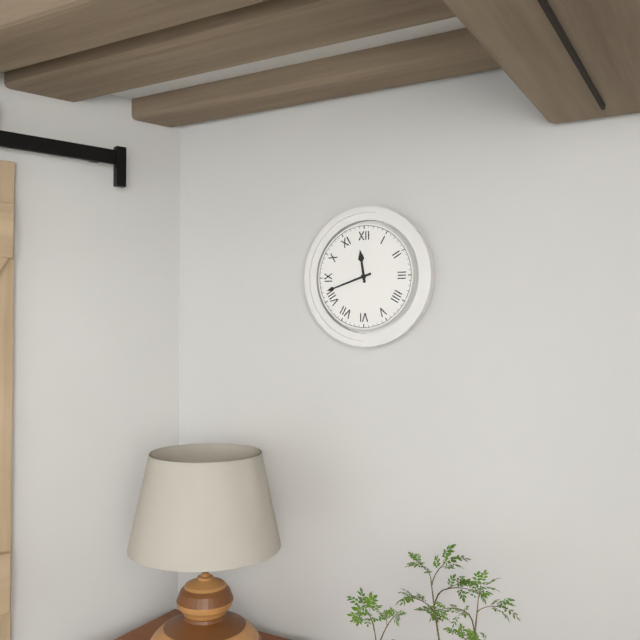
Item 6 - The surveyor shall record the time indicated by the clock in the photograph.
11:42
